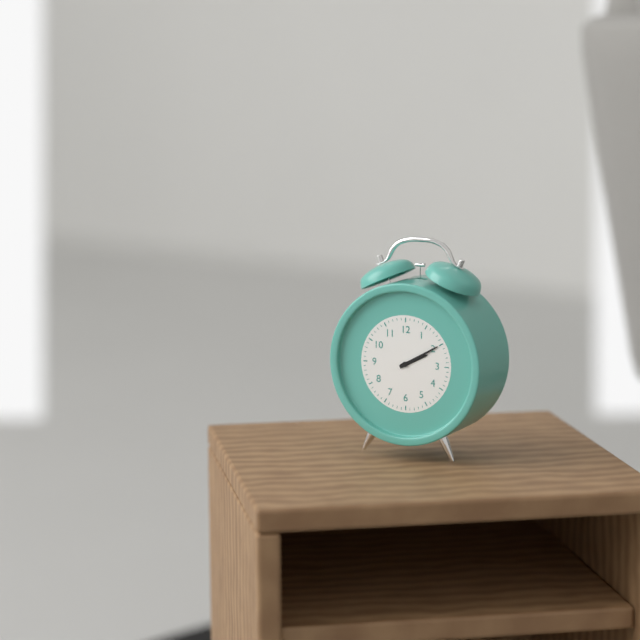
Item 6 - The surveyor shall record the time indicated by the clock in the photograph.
2:10
